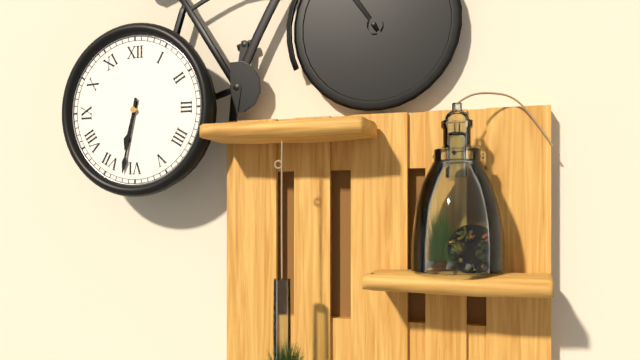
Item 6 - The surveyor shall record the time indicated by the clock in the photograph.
6:32
